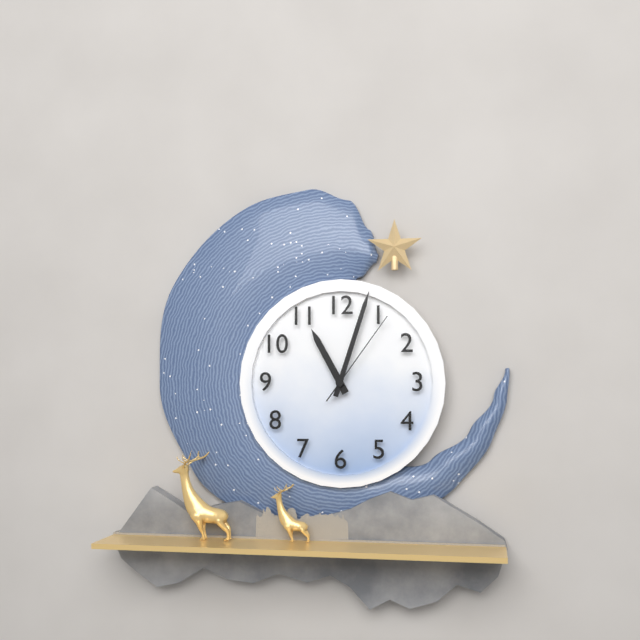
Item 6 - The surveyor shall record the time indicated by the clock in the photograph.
11:03:06
